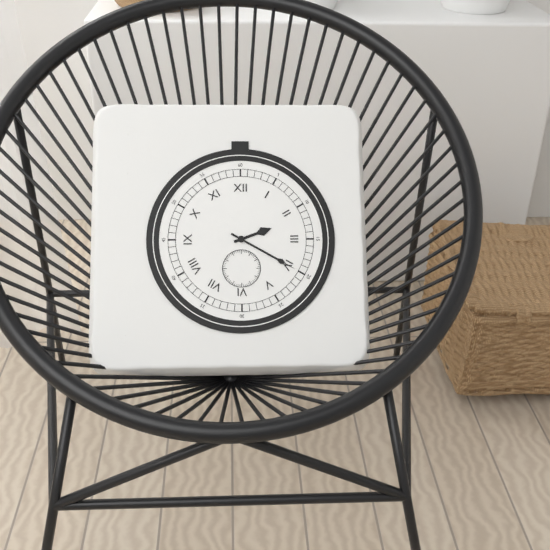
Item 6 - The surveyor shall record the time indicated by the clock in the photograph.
2:20
